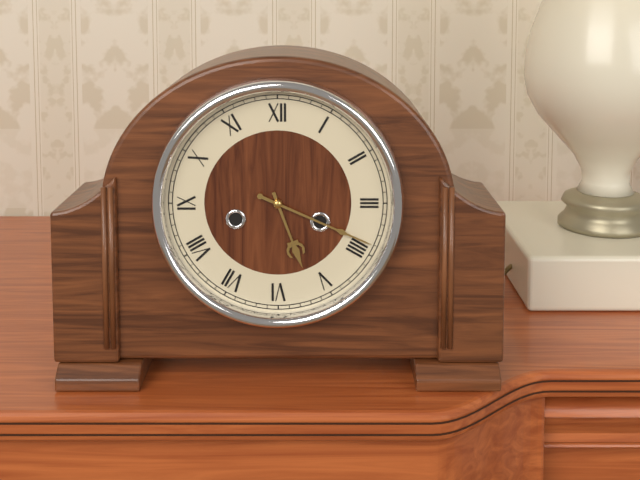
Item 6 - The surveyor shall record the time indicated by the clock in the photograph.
5:19
